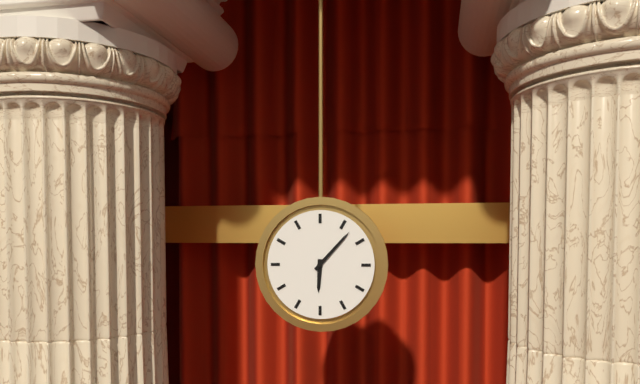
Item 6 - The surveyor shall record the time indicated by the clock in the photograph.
6:07
